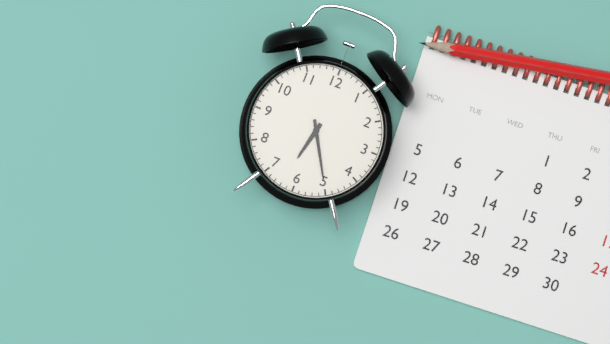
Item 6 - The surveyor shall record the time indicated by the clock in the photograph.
6:25
